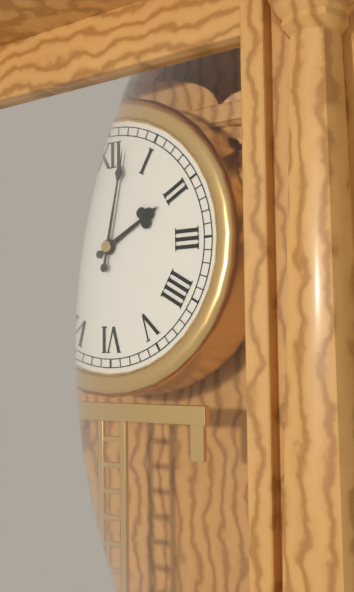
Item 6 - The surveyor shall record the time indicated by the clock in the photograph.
2:02
